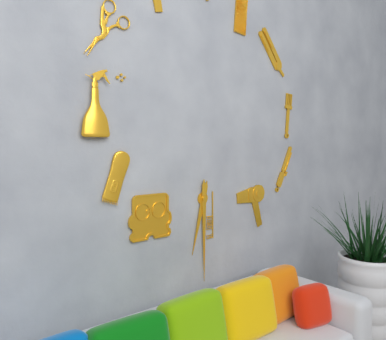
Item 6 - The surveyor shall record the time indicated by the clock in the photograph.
6:30
